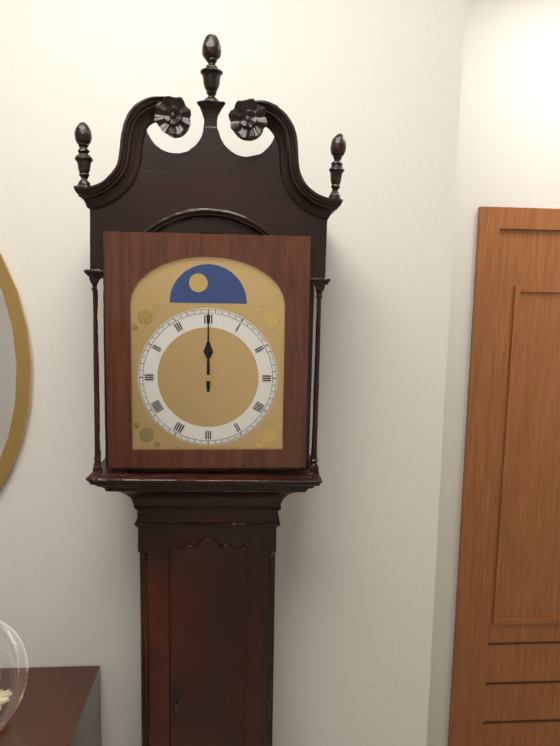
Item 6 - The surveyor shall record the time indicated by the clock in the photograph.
12:00
